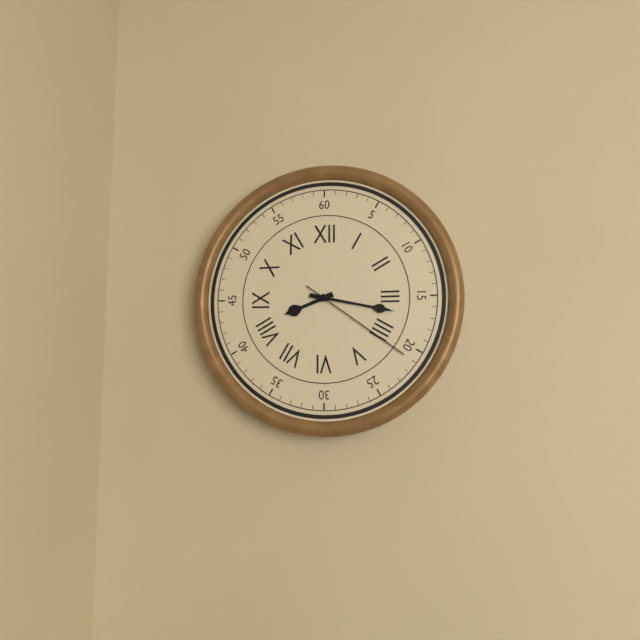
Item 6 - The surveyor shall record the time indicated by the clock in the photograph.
8:17:21
